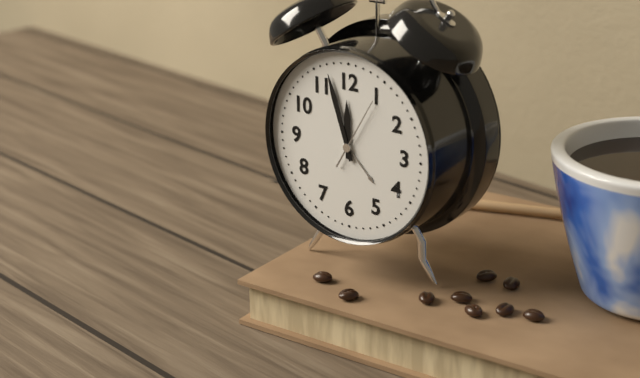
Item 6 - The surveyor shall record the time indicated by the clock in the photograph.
11:57
